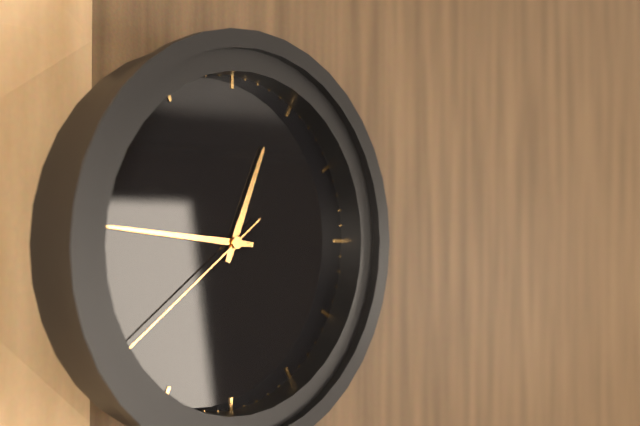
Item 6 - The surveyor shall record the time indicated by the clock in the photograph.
12:46:39
